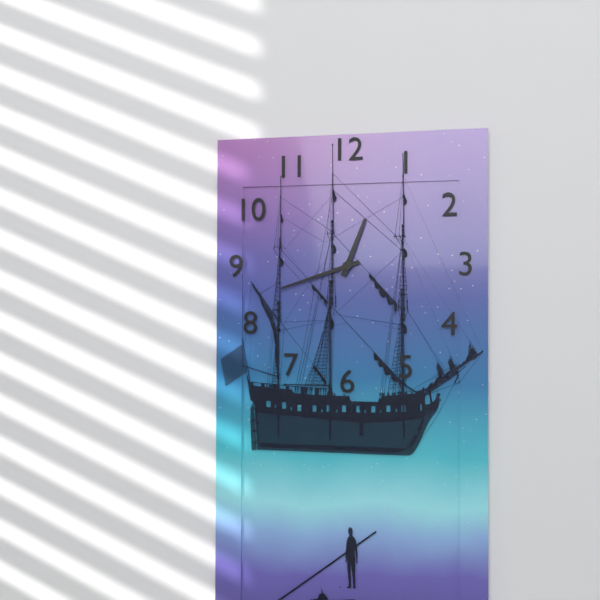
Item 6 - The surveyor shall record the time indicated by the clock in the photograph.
12:42
